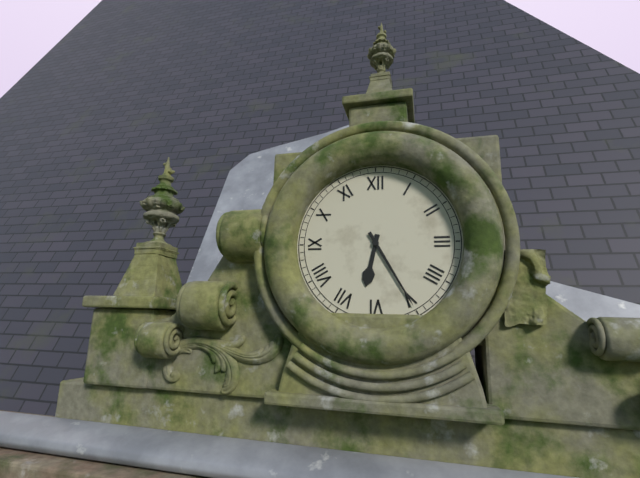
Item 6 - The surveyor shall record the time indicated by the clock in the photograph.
6:25
